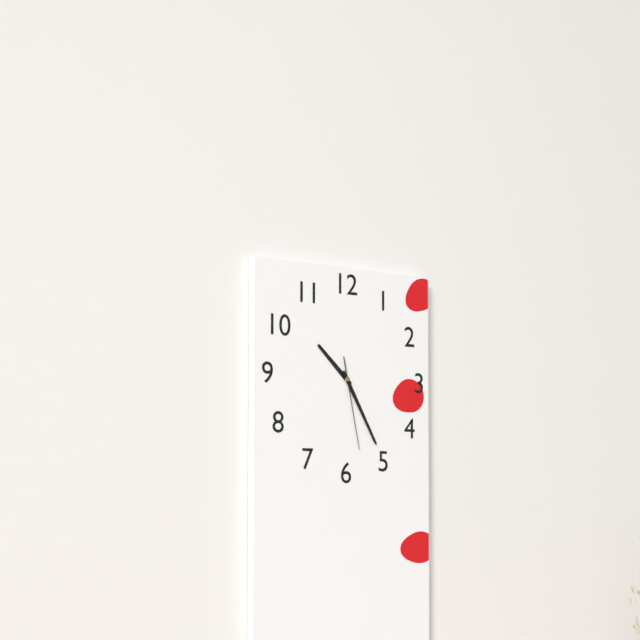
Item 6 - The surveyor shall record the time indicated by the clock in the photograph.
10:25:28
